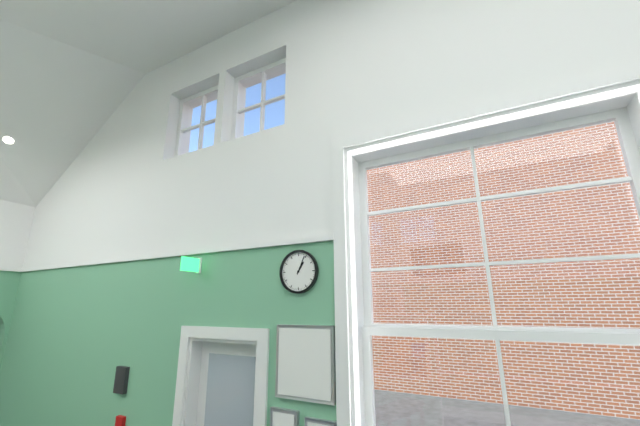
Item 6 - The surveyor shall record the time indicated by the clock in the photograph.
1:04
